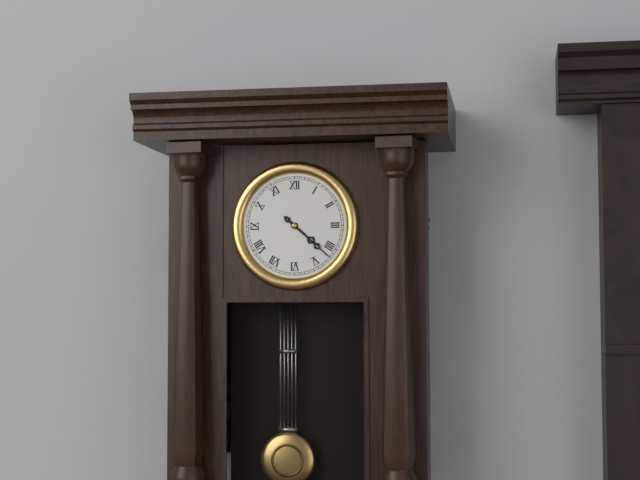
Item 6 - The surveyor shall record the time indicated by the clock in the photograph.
4:22
